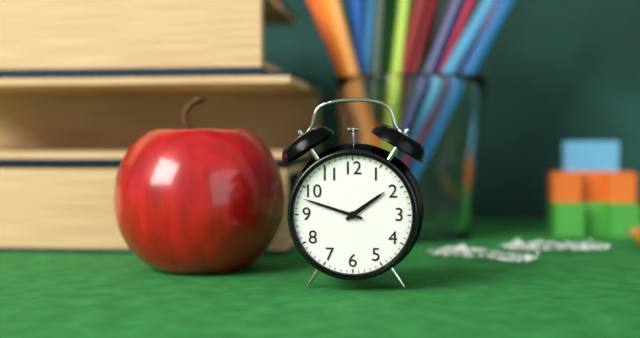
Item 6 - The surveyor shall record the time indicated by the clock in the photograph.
1:48
